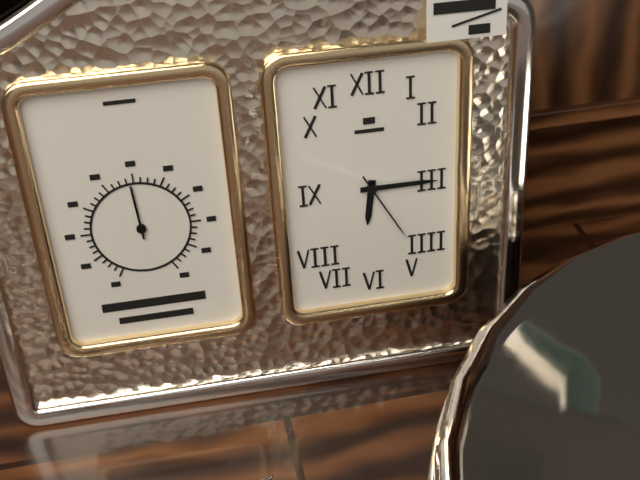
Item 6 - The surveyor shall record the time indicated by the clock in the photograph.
6:15:25
